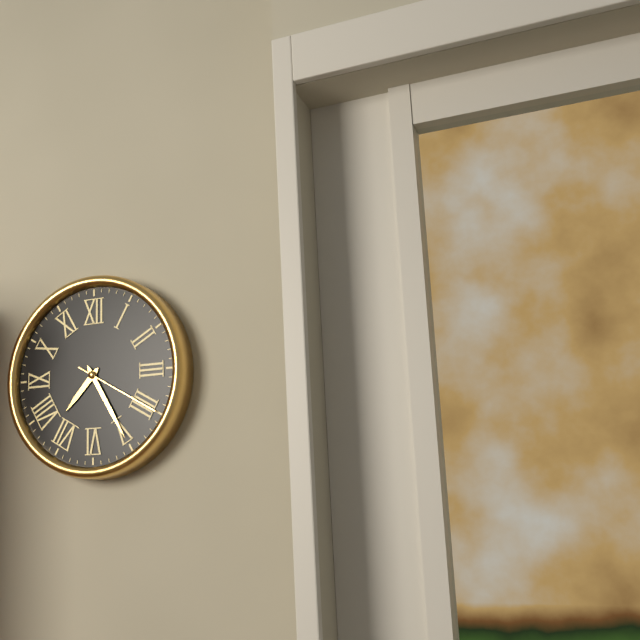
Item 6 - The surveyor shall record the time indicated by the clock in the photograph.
7:25:20
